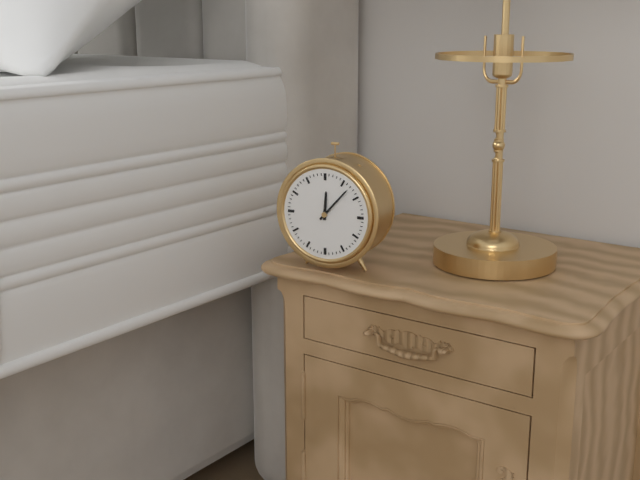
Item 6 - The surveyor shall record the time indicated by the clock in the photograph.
12:07
